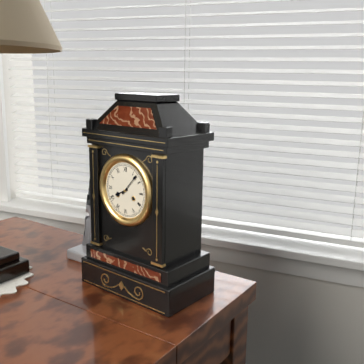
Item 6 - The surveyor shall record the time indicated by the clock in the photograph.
8:07
